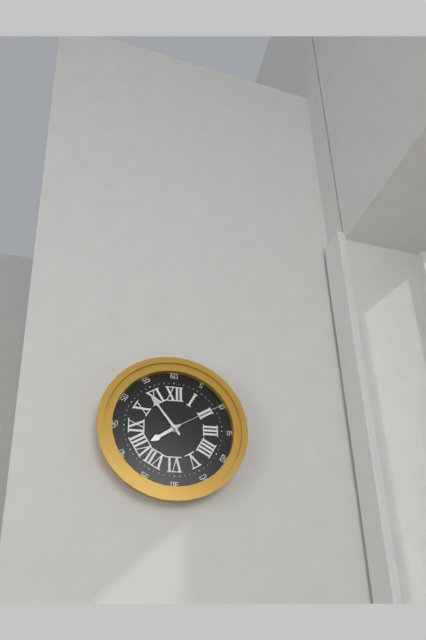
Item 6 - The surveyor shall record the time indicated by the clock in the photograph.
7:54:10
